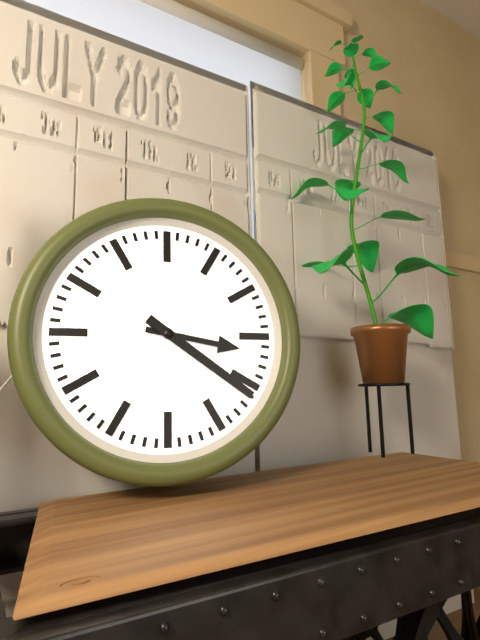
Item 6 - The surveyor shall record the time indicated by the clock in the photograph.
3:21
